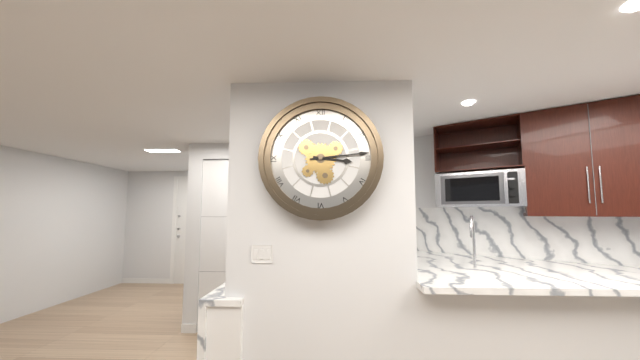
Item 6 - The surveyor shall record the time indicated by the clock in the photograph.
3:14
